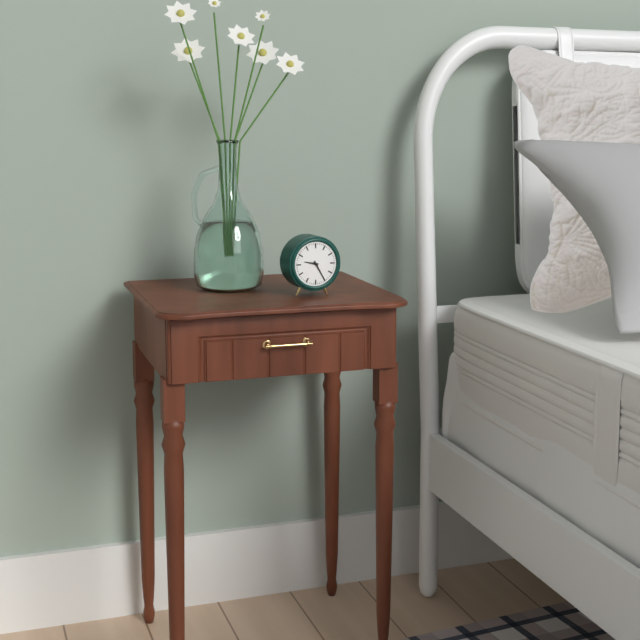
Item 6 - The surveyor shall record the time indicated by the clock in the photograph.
9:25
